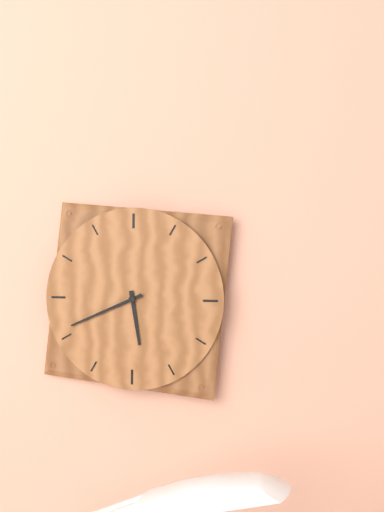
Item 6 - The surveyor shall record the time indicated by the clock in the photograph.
5:41
